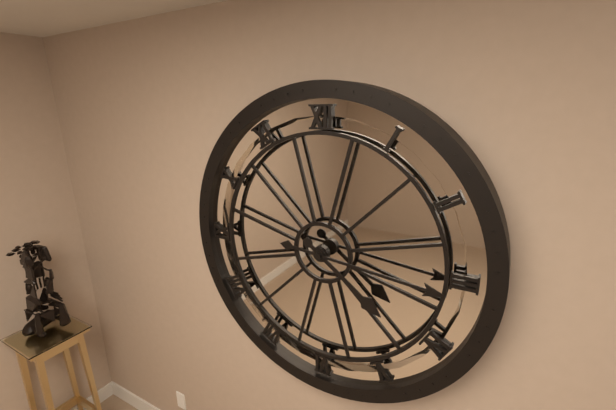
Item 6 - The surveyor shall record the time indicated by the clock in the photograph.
4:16
